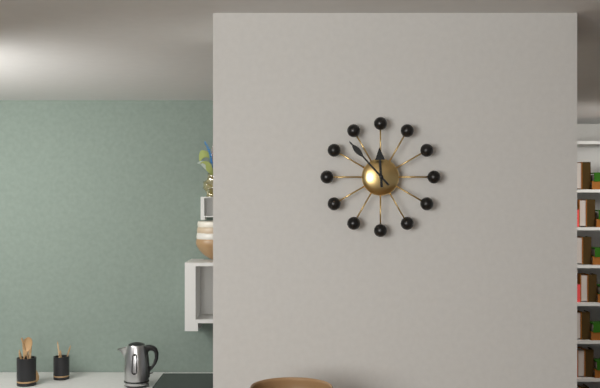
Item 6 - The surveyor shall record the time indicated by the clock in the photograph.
11:53
